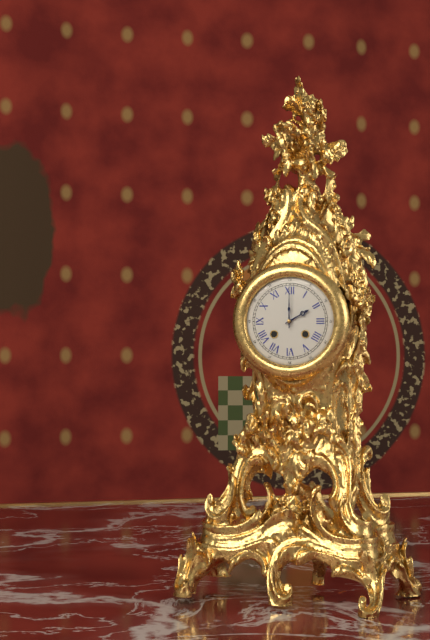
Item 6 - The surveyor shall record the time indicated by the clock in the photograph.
2:00
